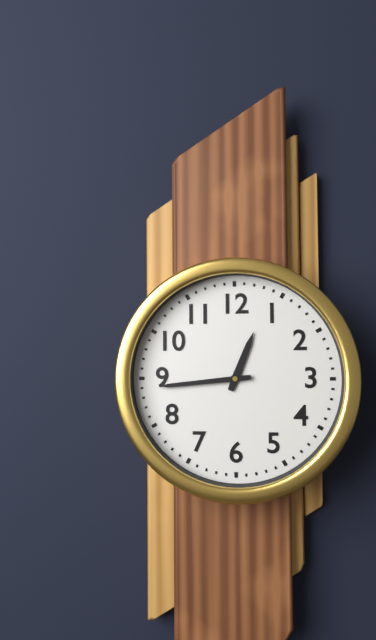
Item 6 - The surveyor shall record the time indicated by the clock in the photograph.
12:44
